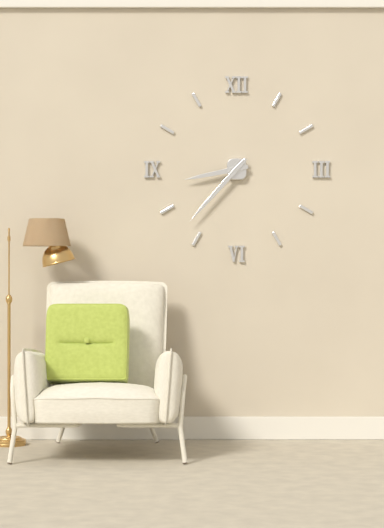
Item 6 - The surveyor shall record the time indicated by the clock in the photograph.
8:37
